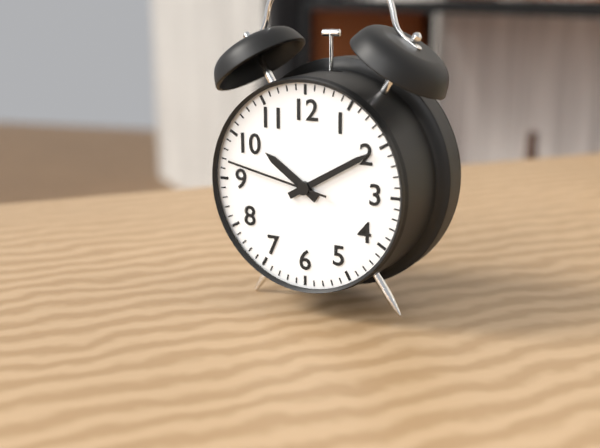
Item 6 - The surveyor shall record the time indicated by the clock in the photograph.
10:10:47
